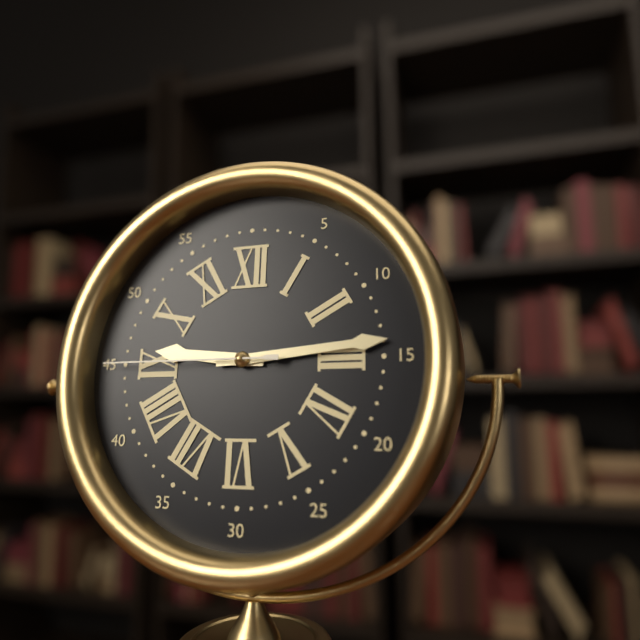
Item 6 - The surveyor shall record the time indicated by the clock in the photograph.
9:14:45
